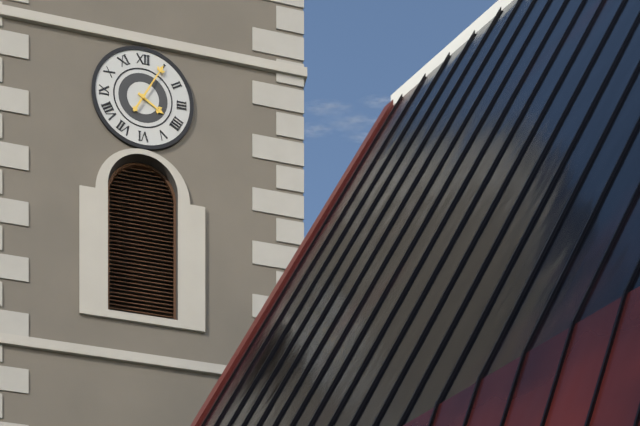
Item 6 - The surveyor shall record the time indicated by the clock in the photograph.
4:05
